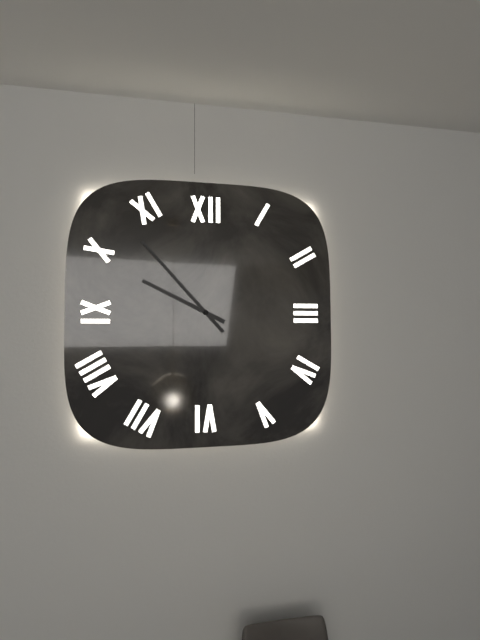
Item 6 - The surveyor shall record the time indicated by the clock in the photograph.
9:53
